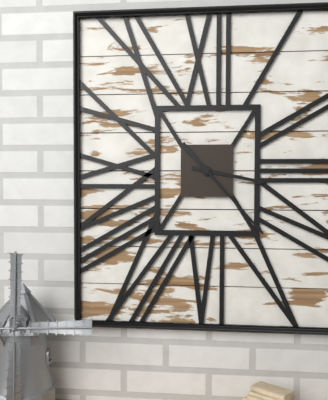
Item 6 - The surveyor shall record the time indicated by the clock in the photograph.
3:23
